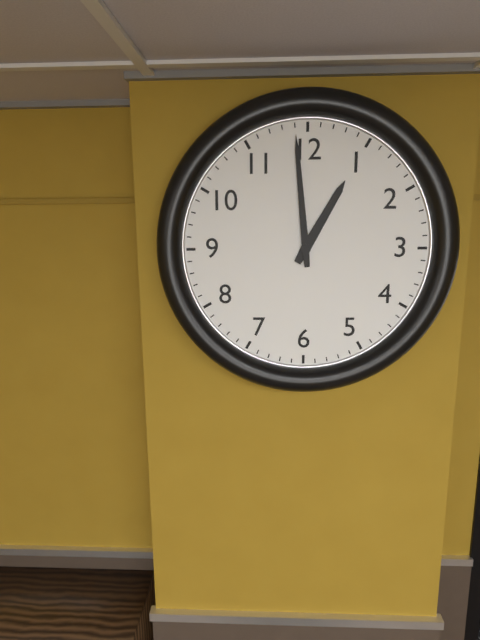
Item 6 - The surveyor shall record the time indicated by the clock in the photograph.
12:59
